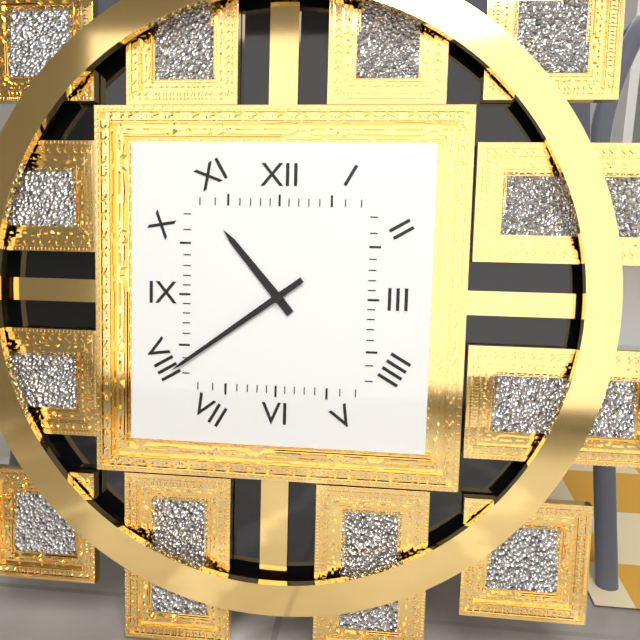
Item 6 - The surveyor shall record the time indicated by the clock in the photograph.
10:39
